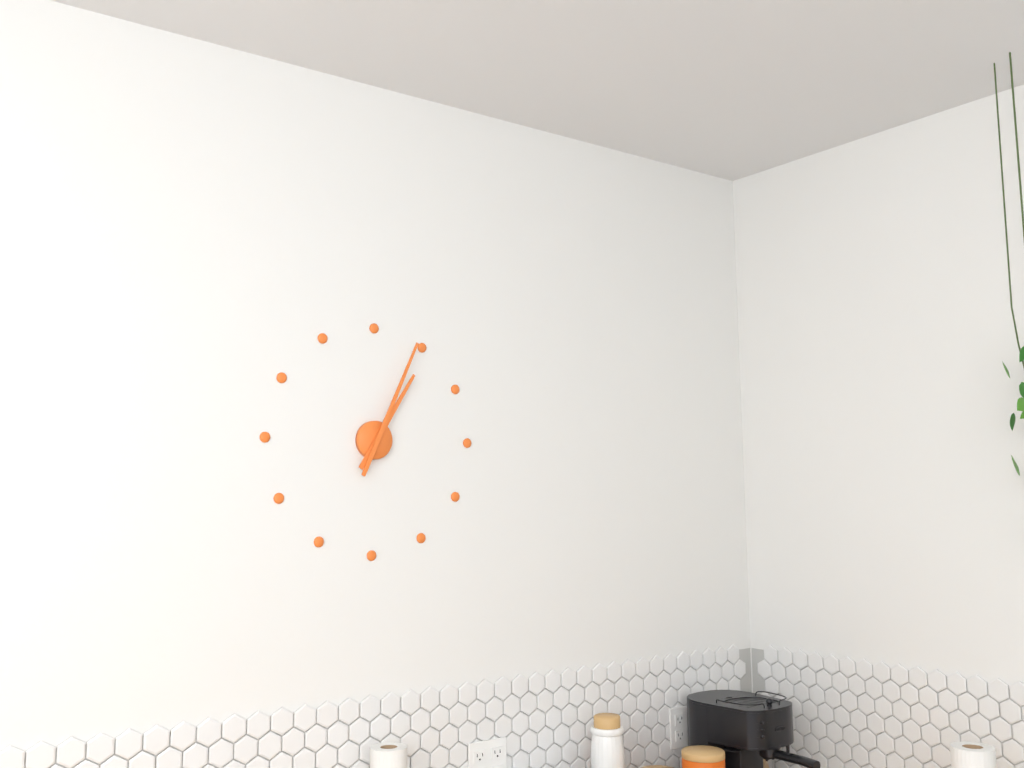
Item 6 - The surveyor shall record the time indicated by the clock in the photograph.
1:04
